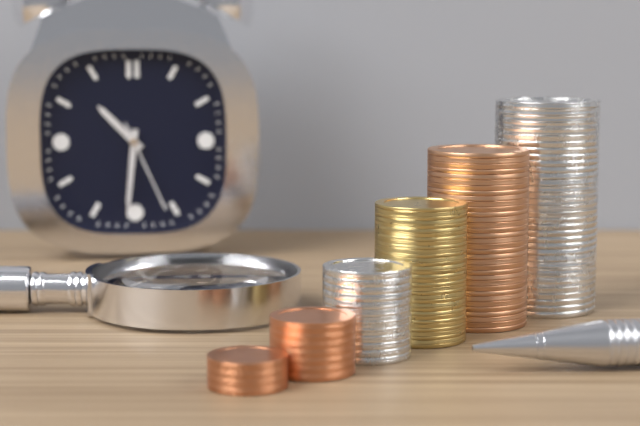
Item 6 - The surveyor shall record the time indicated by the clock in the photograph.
10:31:26
